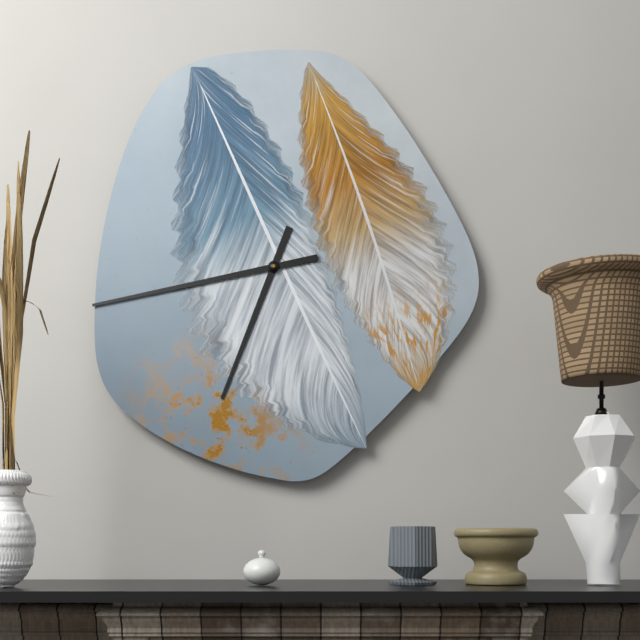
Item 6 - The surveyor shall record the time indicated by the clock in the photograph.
6:43
